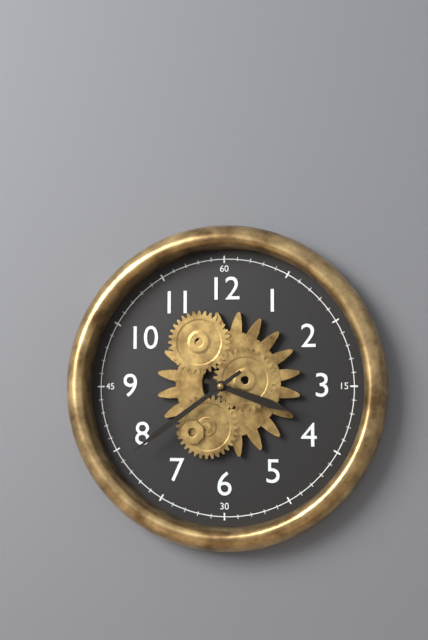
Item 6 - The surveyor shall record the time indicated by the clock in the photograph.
3:39
